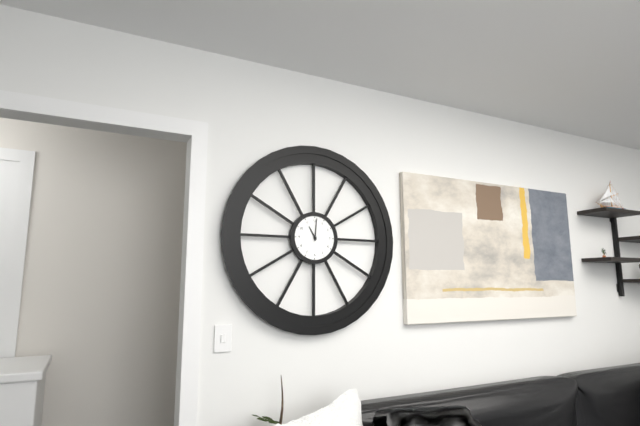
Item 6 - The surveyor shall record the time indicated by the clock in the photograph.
11:01
